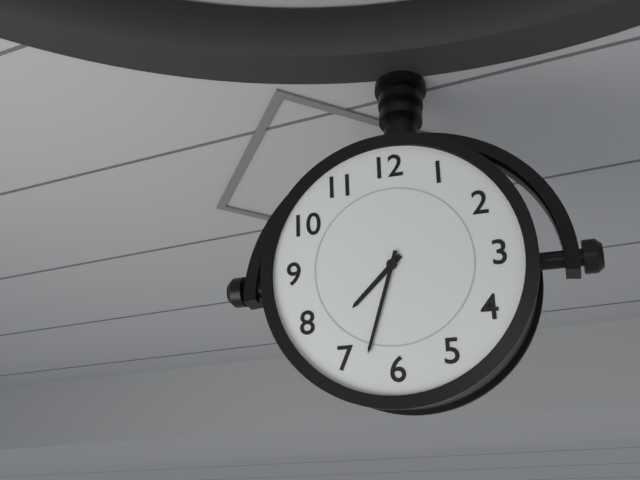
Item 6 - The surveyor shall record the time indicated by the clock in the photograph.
7:33
